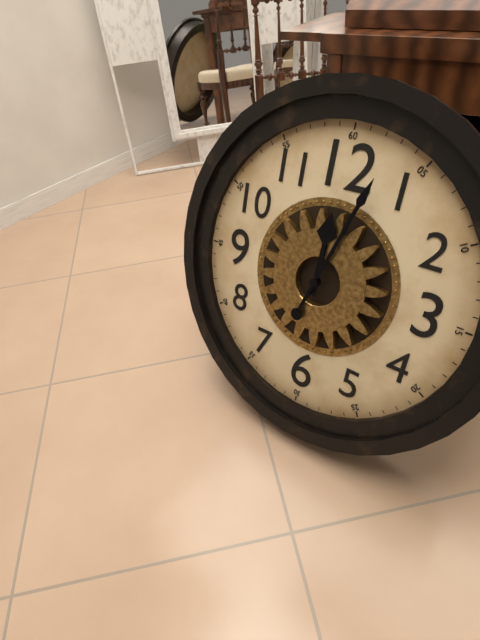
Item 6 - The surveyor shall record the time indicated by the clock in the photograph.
12:03
